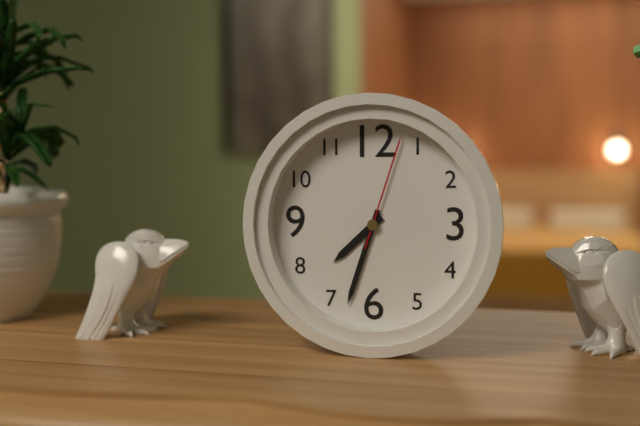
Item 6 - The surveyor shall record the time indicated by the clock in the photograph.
7:33:03
